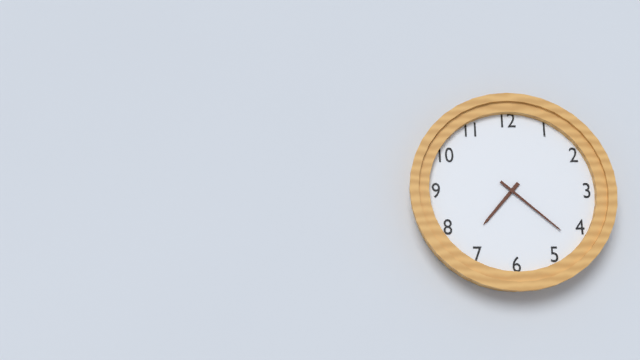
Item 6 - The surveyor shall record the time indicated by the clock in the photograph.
7:22
